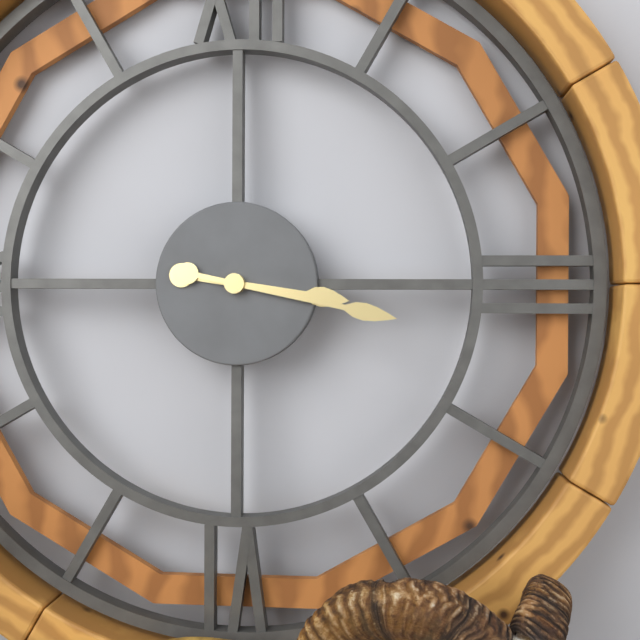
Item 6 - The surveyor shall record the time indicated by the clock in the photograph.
3:17
